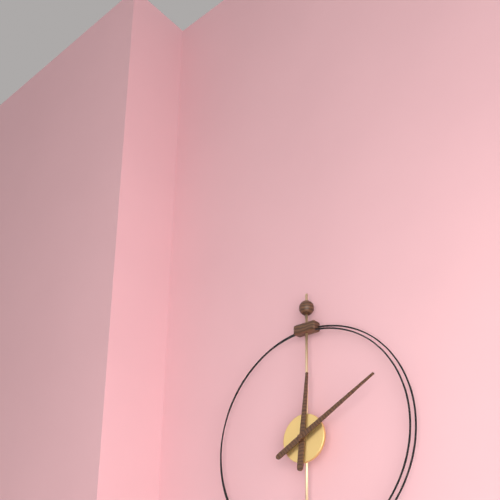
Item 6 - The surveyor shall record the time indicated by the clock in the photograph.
12:10
